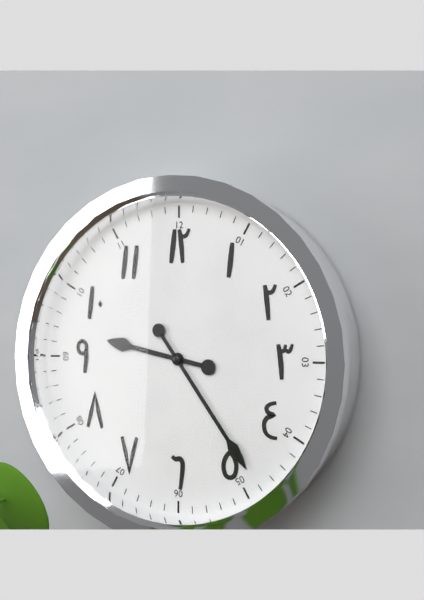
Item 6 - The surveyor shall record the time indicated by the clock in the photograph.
9:24
